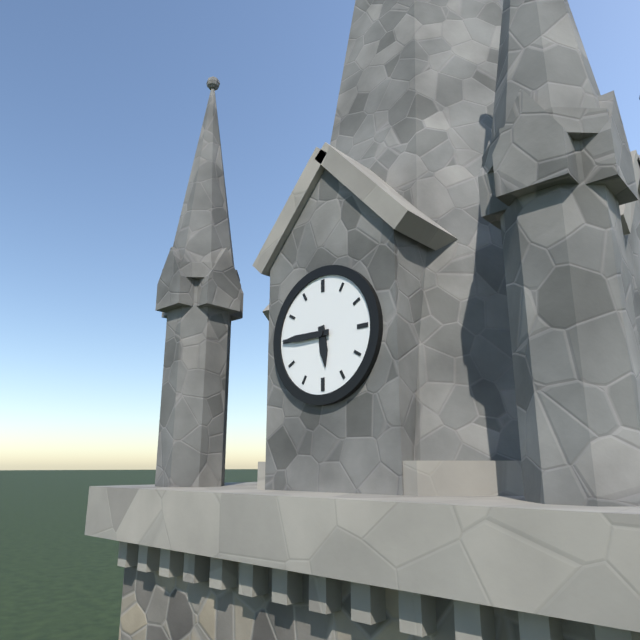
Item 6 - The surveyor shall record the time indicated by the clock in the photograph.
5:45
